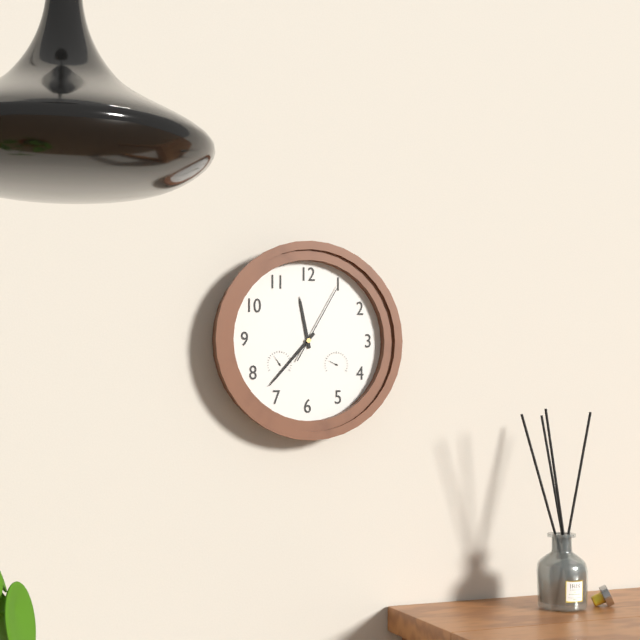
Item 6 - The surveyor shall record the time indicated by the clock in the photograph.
11:37:05
